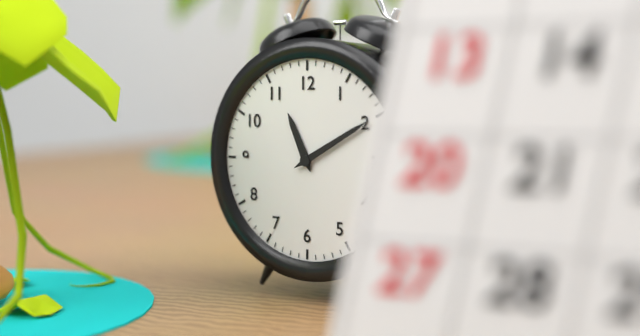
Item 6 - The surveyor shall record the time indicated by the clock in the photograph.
11:10
